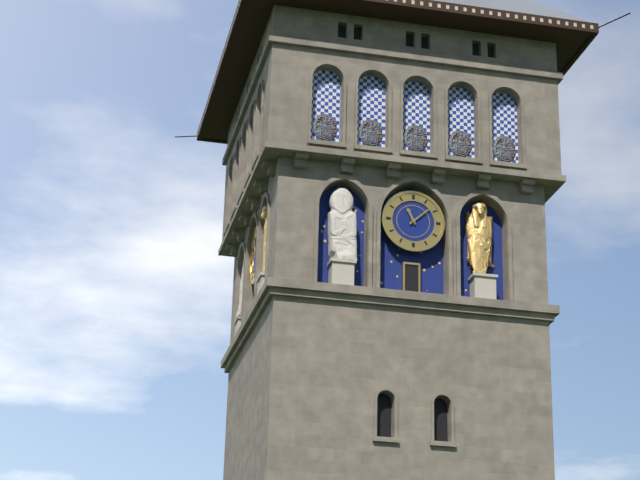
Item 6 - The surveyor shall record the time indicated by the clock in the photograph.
11:08
